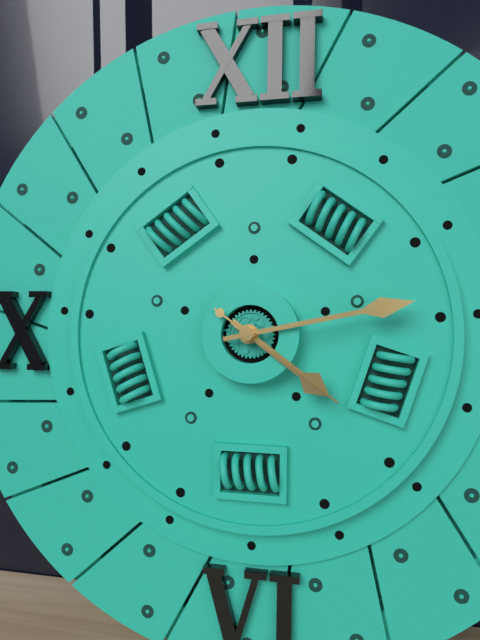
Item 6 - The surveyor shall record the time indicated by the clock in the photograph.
4:13:21
